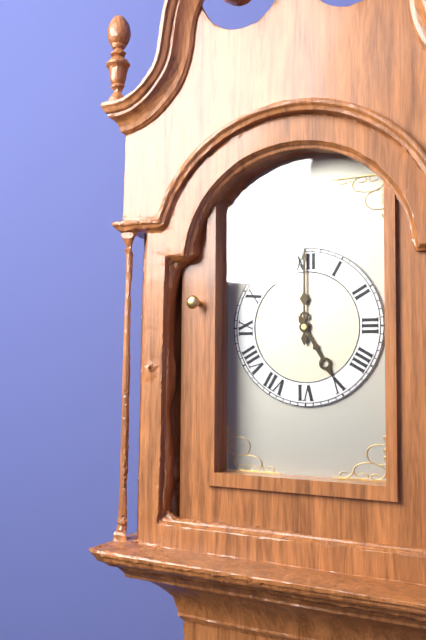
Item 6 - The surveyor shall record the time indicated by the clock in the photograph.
5:00
